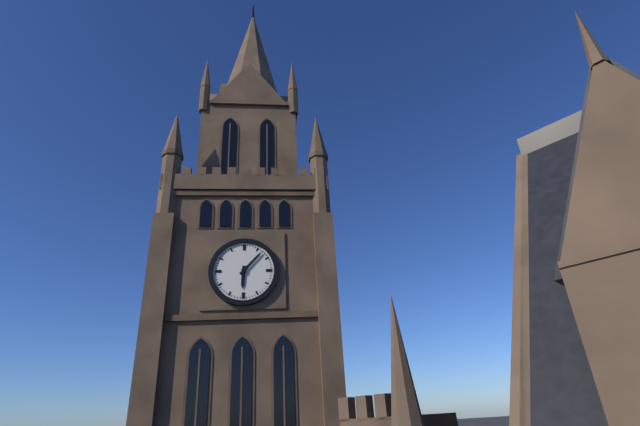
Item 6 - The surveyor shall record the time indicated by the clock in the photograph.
6:07
